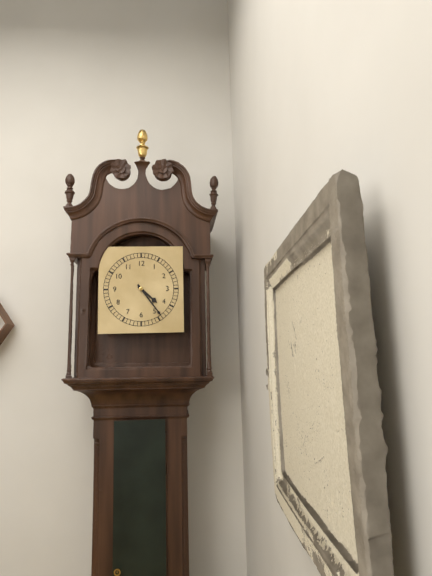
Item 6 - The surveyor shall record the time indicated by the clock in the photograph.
4:24
